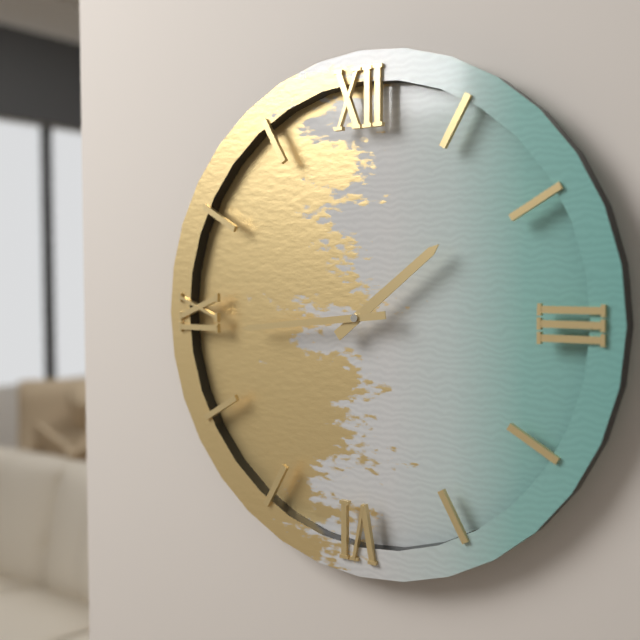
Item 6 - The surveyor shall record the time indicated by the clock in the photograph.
1:44
